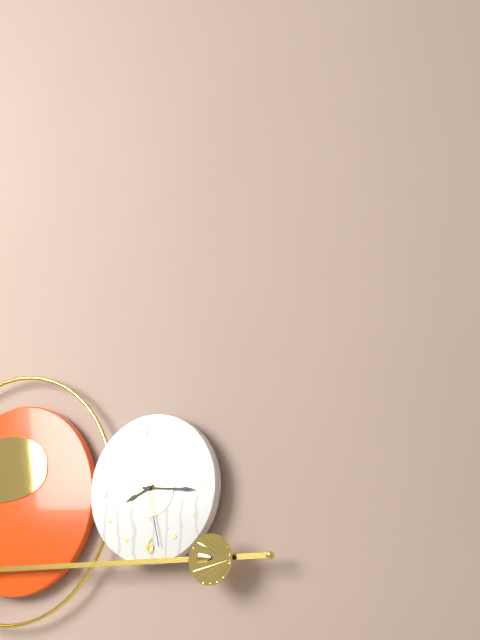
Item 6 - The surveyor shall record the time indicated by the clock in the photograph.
8:16:28
